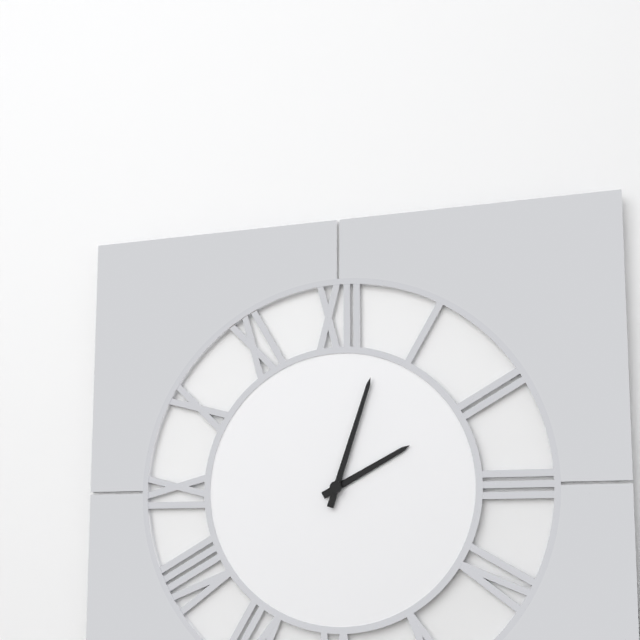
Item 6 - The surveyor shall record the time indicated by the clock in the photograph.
2:03
